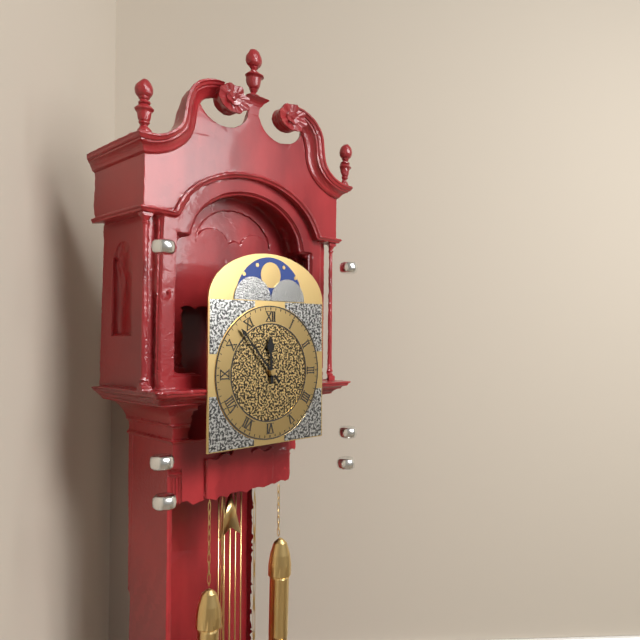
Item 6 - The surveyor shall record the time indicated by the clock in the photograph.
11:53
